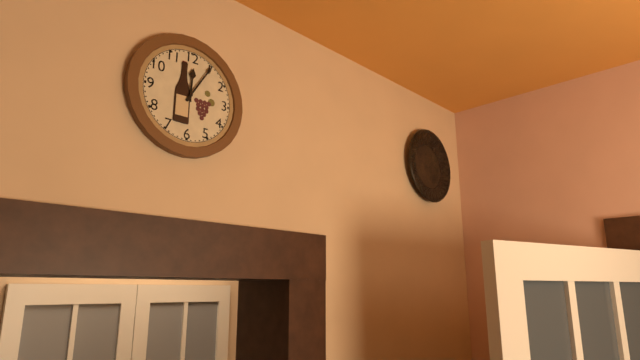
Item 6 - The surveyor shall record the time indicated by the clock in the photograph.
12:05
